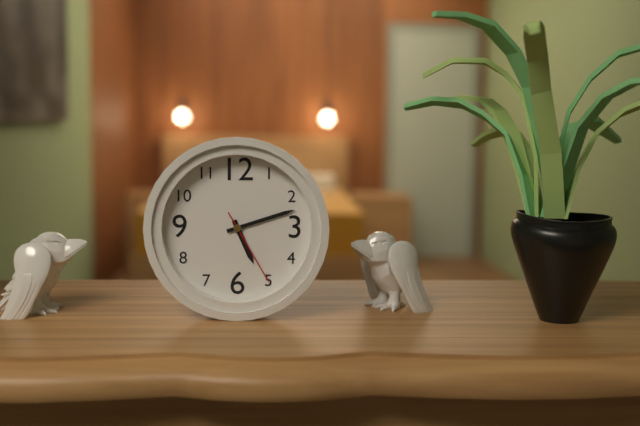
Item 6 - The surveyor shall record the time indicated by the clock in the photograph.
5:12:25
